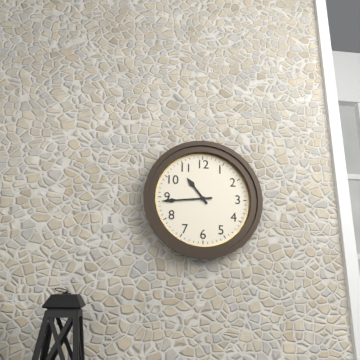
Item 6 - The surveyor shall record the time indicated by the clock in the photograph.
10:44
